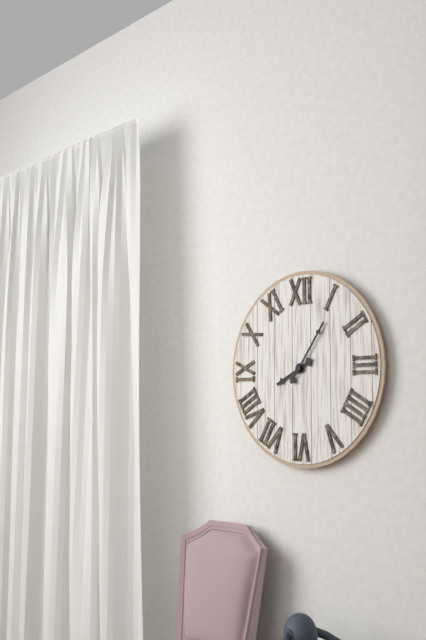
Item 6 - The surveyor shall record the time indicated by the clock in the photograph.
8:06
